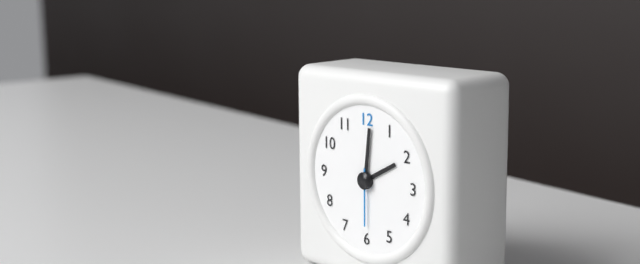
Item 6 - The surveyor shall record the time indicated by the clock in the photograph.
2:01:30
